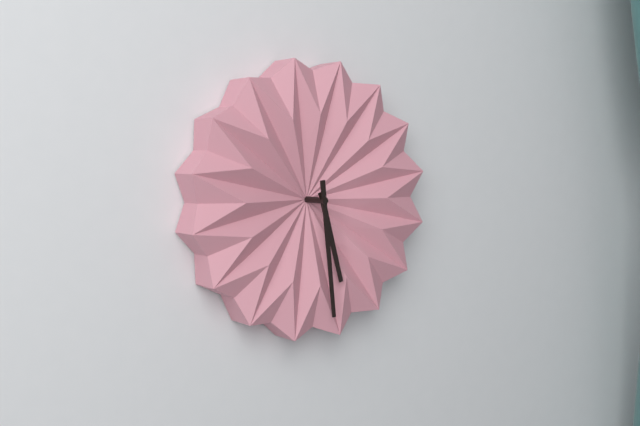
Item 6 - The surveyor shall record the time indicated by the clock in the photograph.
5:29
